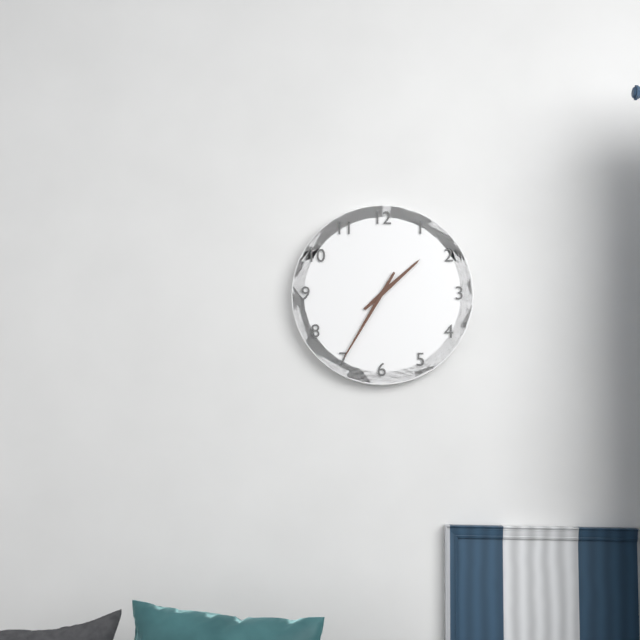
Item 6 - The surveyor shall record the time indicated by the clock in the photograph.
1:35
